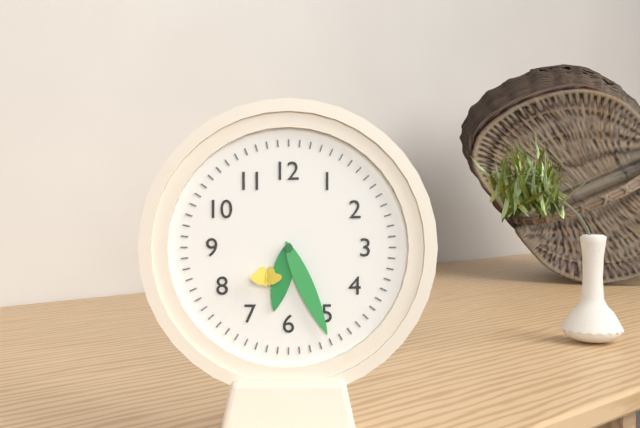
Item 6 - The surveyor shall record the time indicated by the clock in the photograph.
6:26
